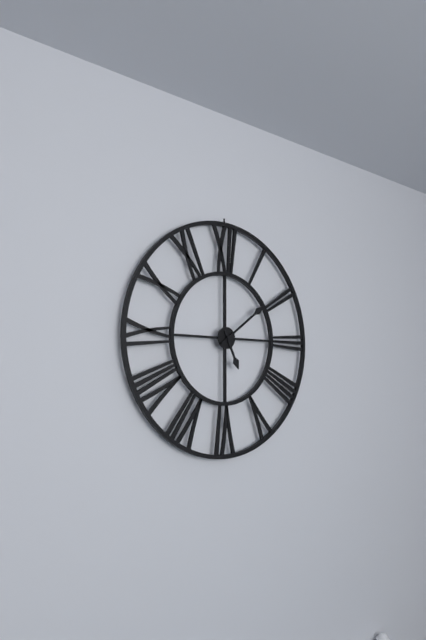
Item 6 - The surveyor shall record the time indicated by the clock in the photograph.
5:09
